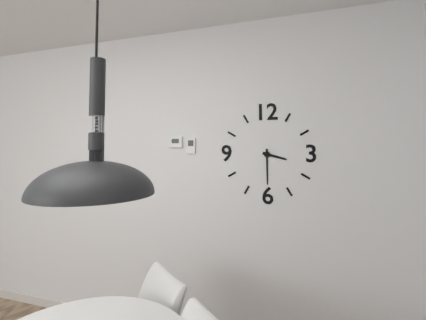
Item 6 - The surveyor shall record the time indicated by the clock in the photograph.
3:30
